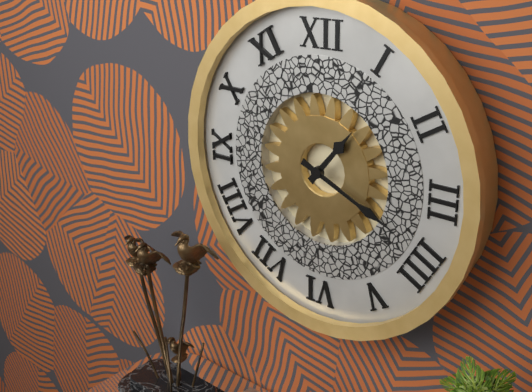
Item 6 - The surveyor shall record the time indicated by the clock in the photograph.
1:19
